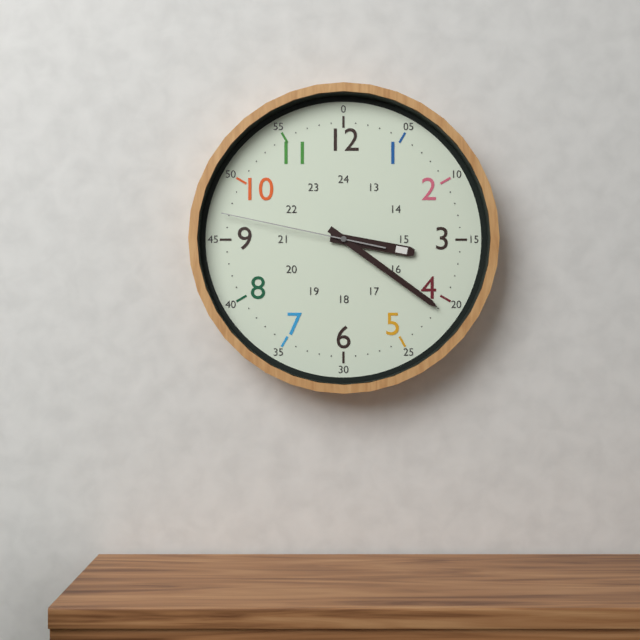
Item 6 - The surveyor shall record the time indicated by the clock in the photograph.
3:21:47
